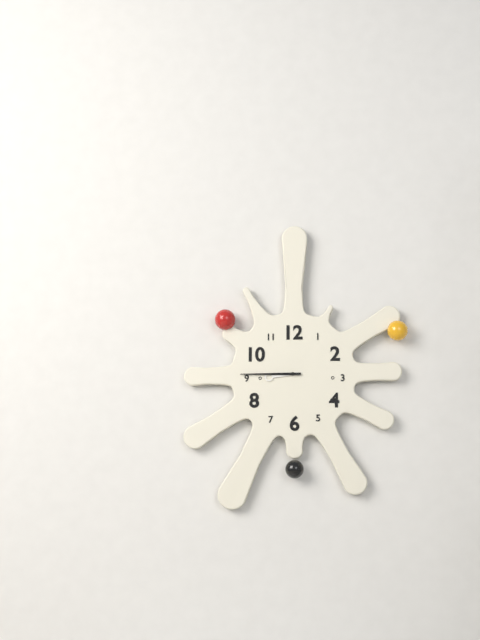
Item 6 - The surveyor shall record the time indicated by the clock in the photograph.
8:45
